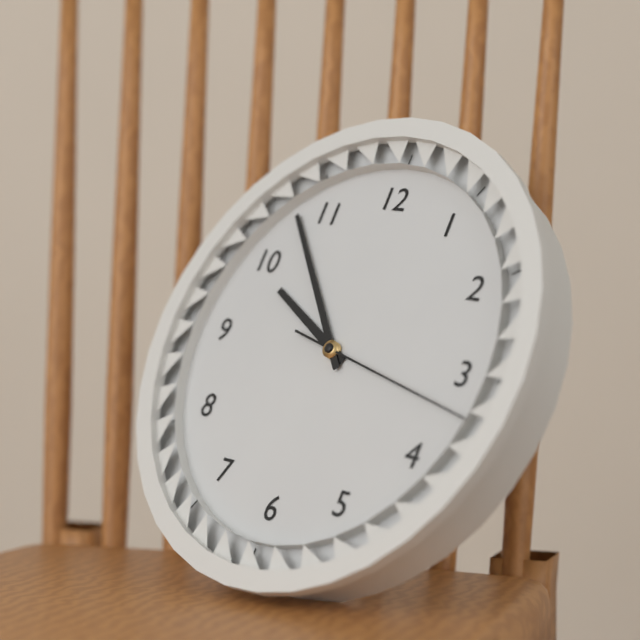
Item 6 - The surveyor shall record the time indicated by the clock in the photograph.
9:53:17
